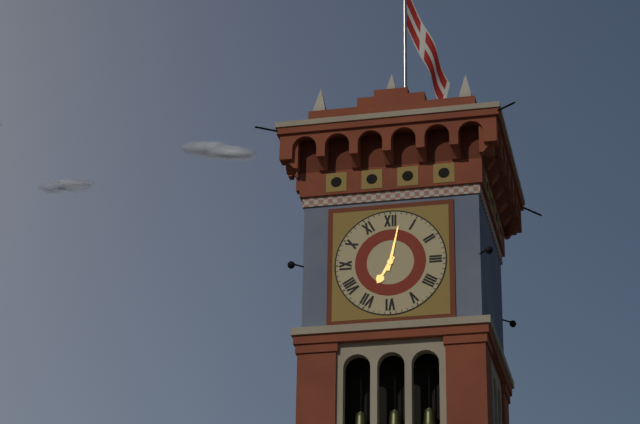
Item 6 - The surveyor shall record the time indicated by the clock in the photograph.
7:02
